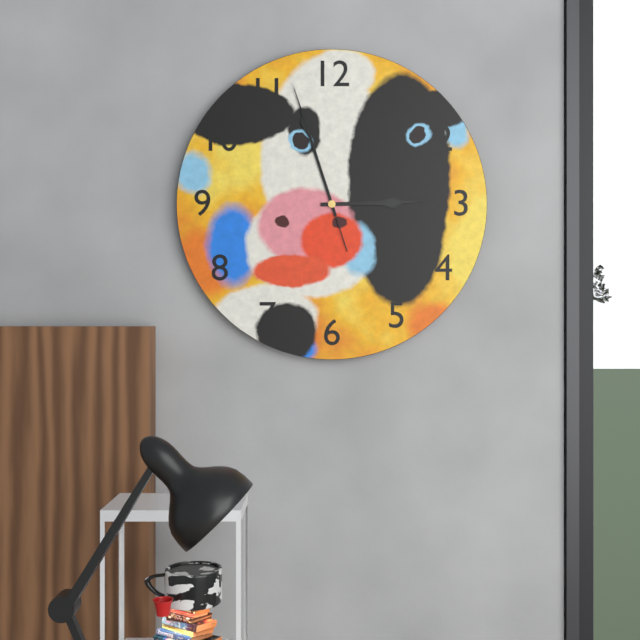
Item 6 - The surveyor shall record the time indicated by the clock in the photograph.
2:57:57
